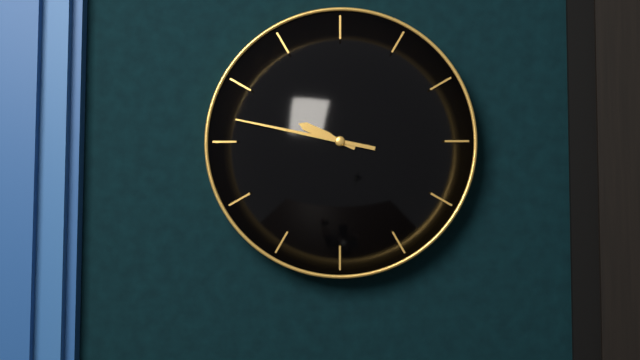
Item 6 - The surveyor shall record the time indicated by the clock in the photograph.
9:47
